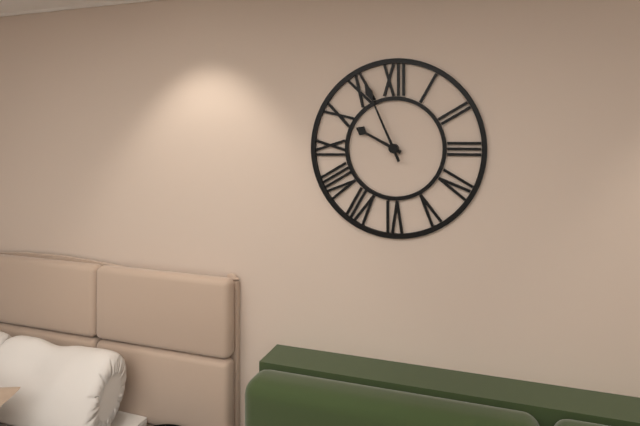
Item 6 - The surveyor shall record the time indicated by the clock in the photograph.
9:56
